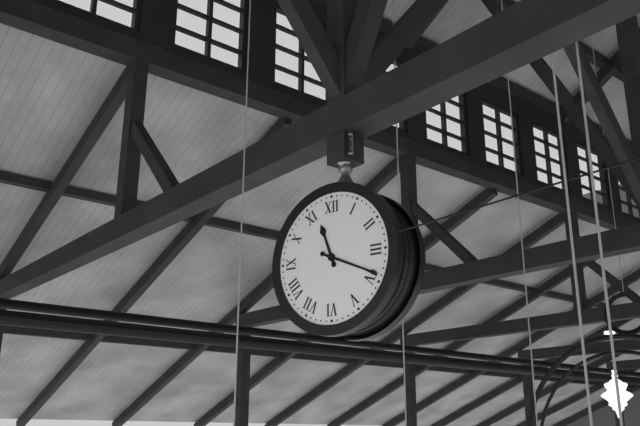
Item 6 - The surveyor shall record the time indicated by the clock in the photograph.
11:19
